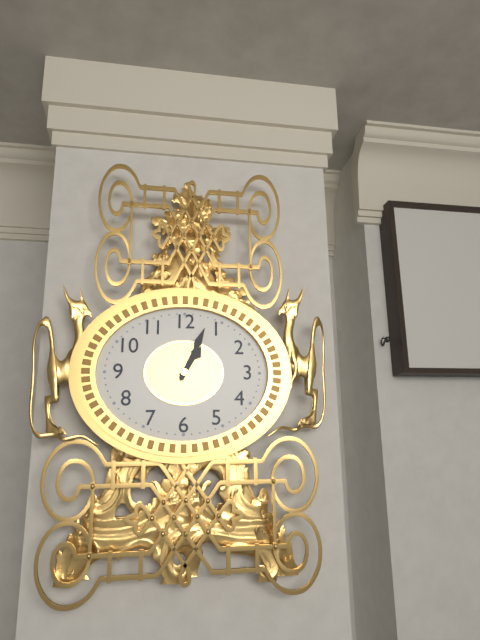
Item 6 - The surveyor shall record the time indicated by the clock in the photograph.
1:04
